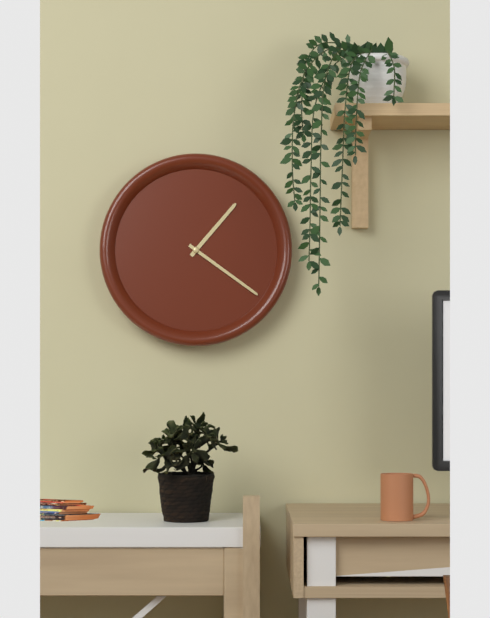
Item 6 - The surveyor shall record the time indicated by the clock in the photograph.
1:21
